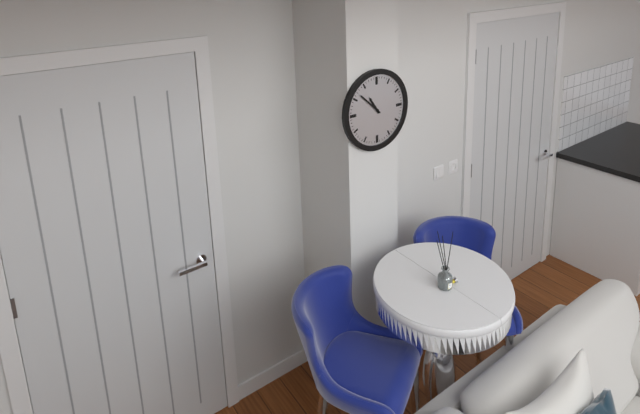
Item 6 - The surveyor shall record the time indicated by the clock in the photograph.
10:52
